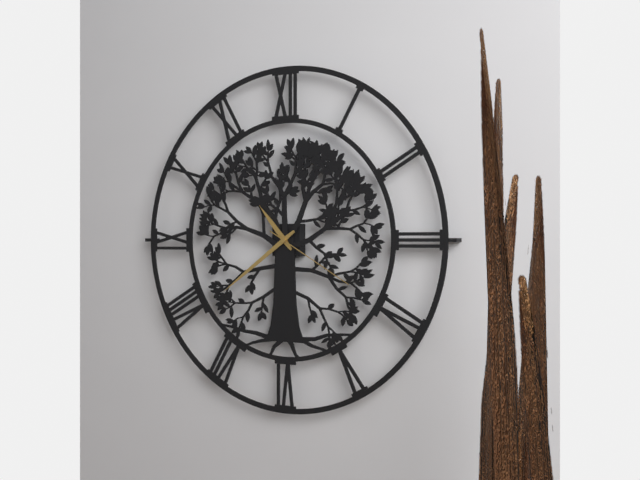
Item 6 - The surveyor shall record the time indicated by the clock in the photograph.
10:39:20
